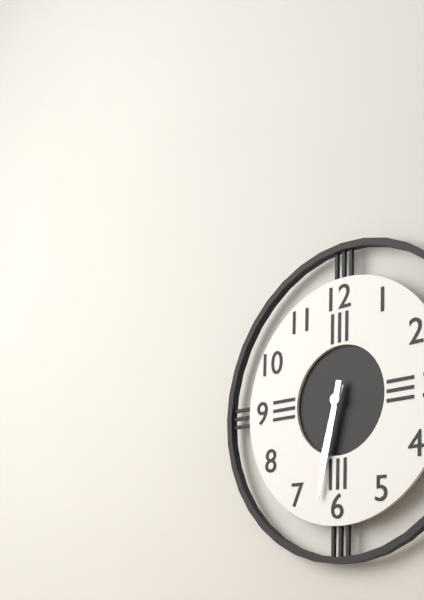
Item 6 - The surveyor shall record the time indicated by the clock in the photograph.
6:32
